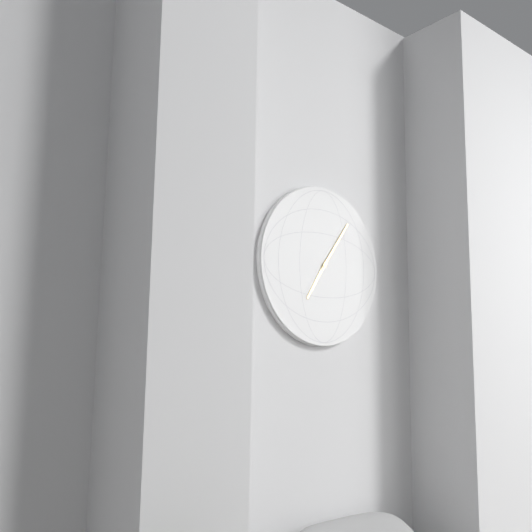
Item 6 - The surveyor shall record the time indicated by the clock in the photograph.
7:06
